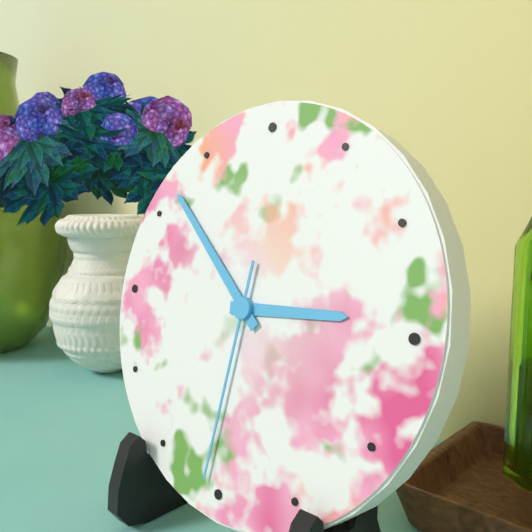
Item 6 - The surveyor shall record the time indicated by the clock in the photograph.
2:52:31
